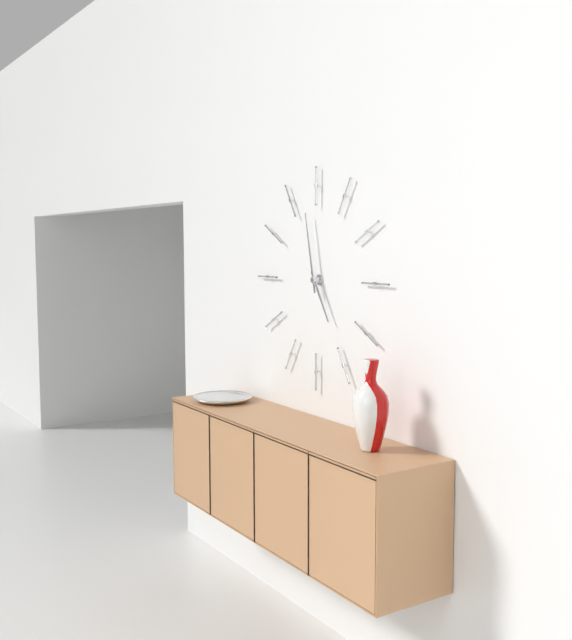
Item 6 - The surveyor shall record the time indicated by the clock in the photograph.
4:58
